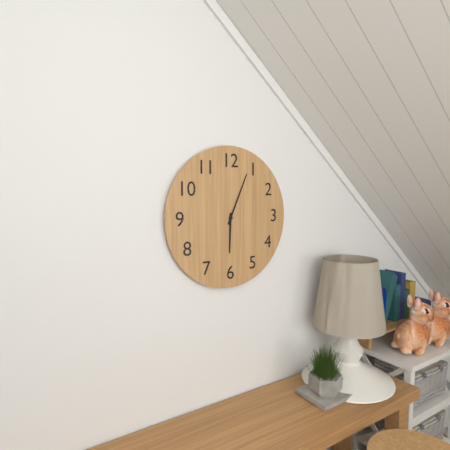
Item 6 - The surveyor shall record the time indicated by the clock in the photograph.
6:04
